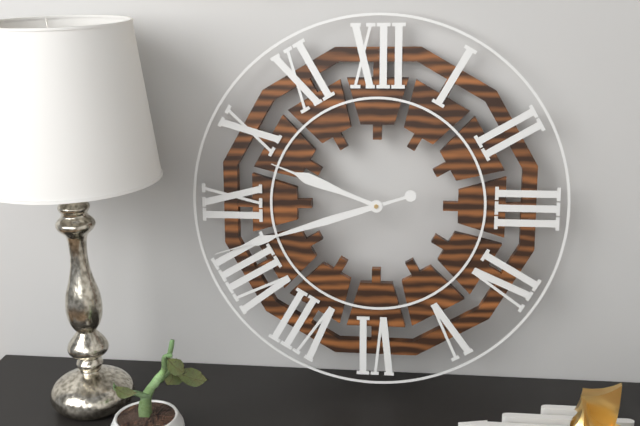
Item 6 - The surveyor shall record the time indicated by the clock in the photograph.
9:42
